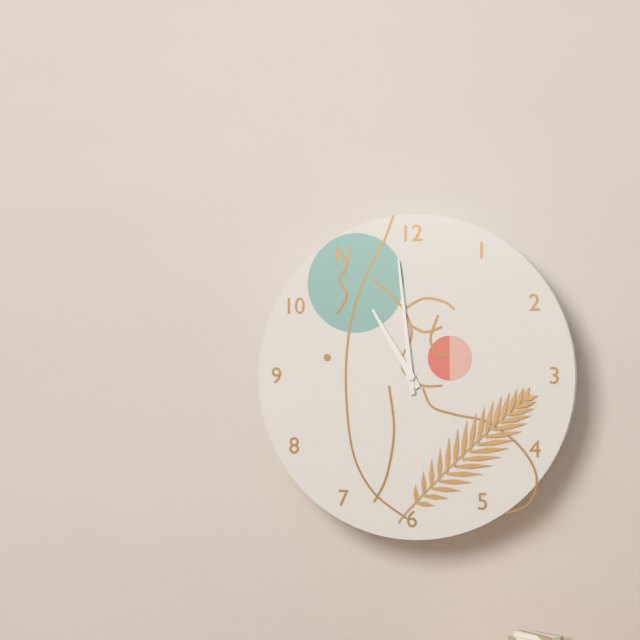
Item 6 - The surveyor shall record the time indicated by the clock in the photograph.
10:59
